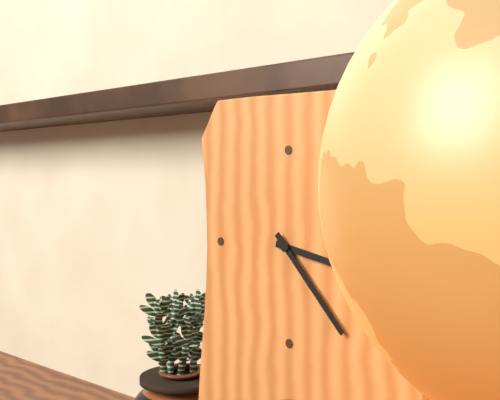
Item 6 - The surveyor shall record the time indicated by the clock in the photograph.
3:23
